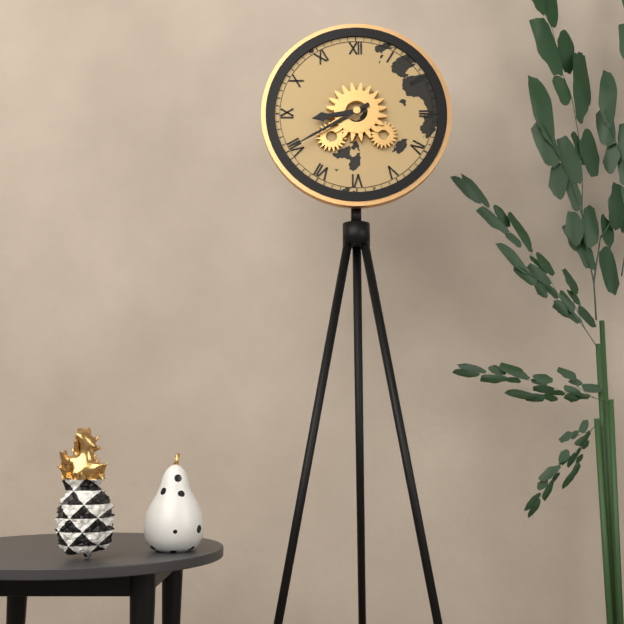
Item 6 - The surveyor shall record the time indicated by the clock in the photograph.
8:40
